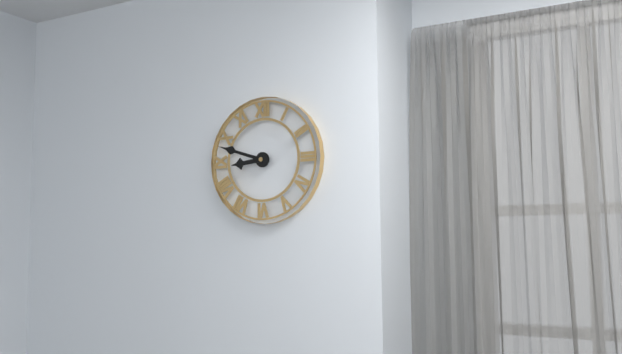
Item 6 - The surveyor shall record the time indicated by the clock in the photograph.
8:48
